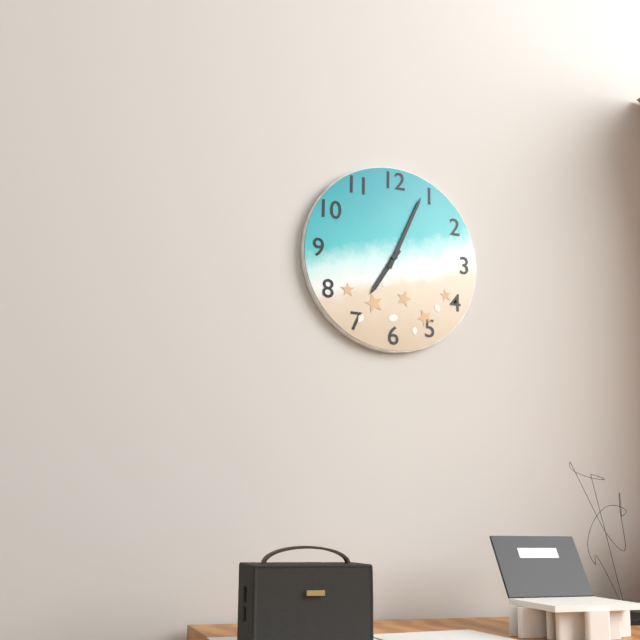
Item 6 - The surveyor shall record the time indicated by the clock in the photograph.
7:04
